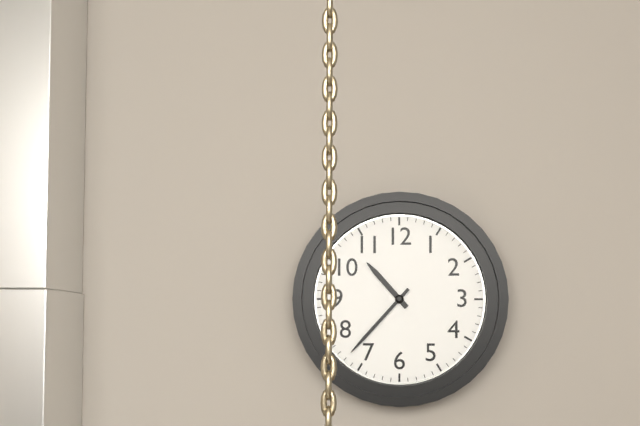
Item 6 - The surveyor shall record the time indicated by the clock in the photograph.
10:37
